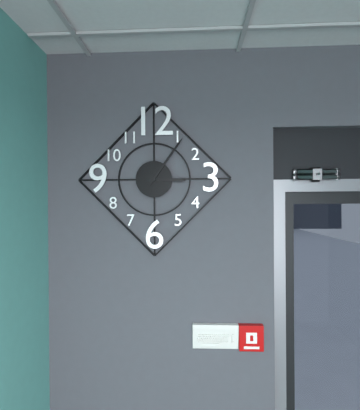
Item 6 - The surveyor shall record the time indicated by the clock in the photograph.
3:06
